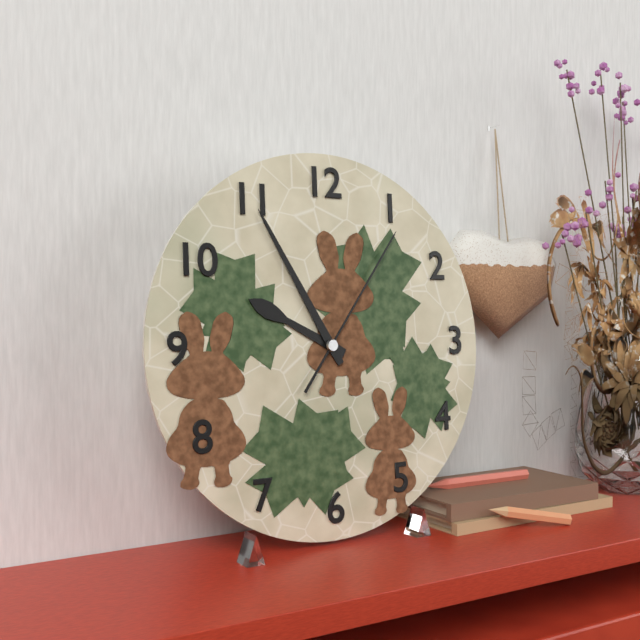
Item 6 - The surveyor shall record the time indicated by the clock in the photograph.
9:55:06
